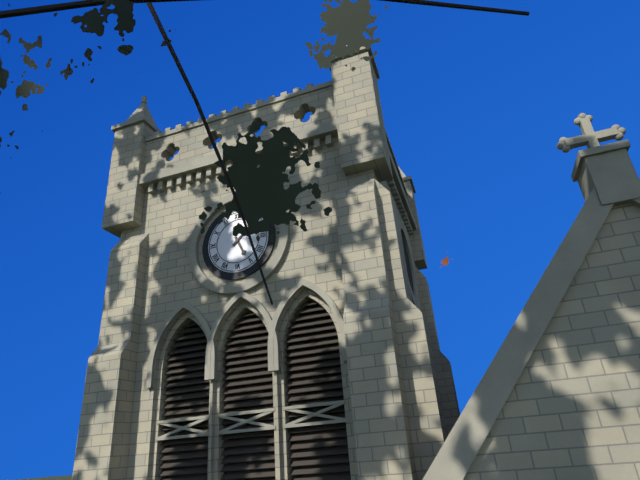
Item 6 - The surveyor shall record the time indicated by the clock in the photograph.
5:08
